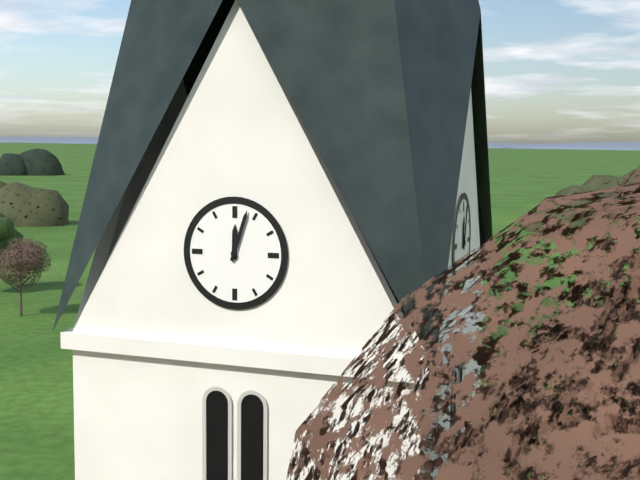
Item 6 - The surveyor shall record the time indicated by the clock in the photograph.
12:03
